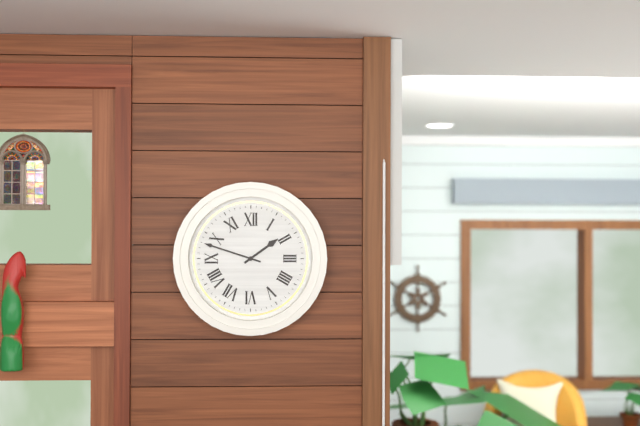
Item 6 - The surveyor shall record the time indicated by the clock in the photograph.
1:48
